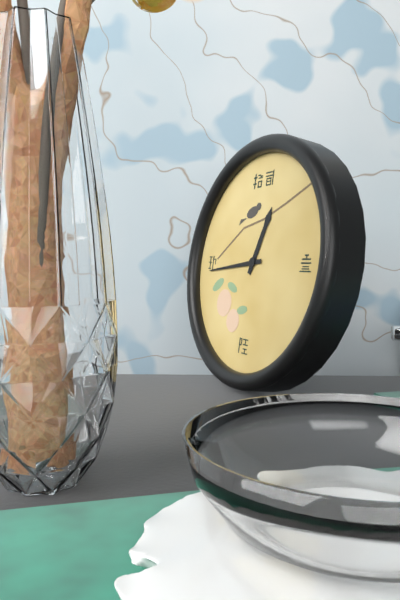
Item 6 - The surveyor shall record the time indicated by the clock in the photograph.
12:44
